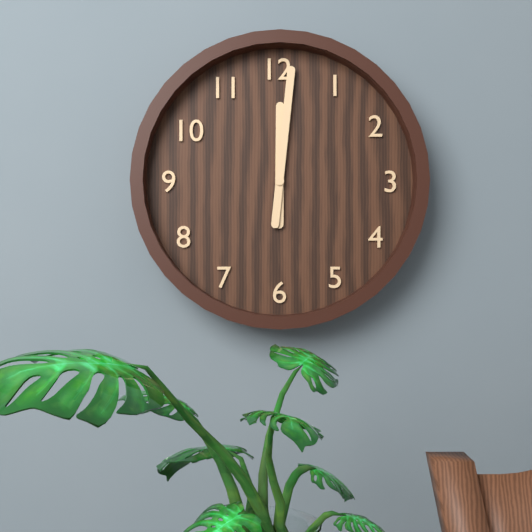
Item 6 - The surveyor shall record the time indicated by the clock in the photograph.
12:01
